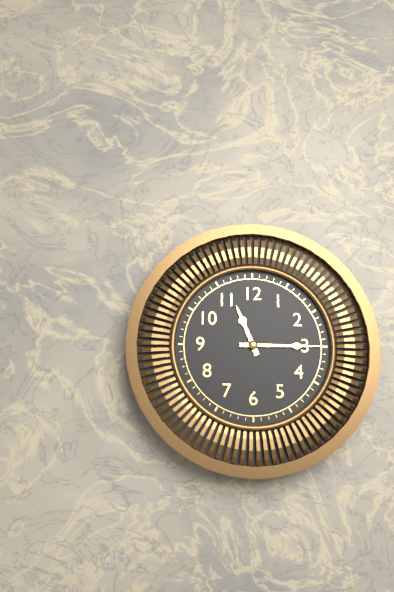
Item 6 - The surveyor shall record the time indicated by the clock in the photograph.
11:15
